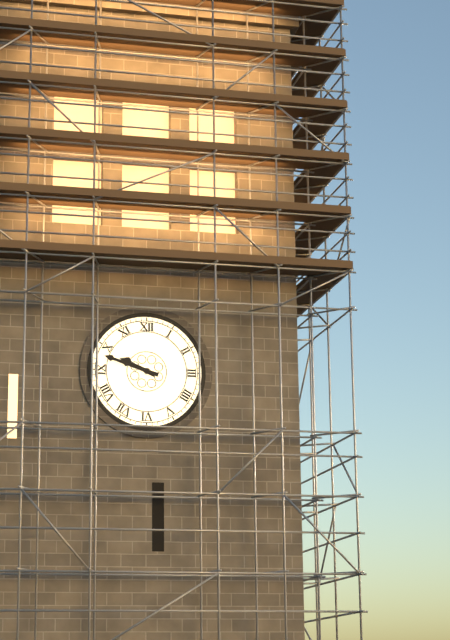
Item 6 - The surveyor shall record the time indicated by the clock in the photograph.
9:48
